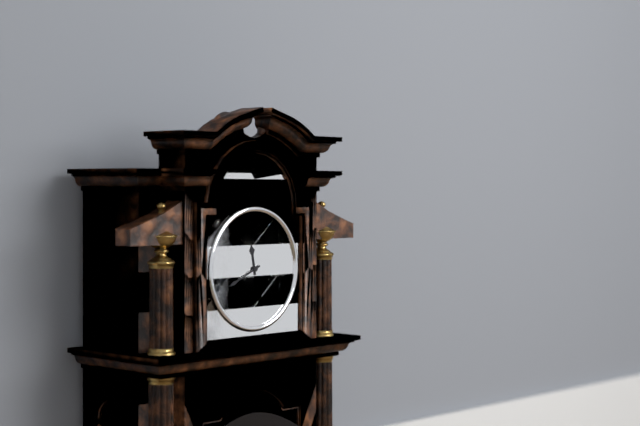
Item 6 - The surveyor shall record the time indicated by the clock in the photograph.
11:41
